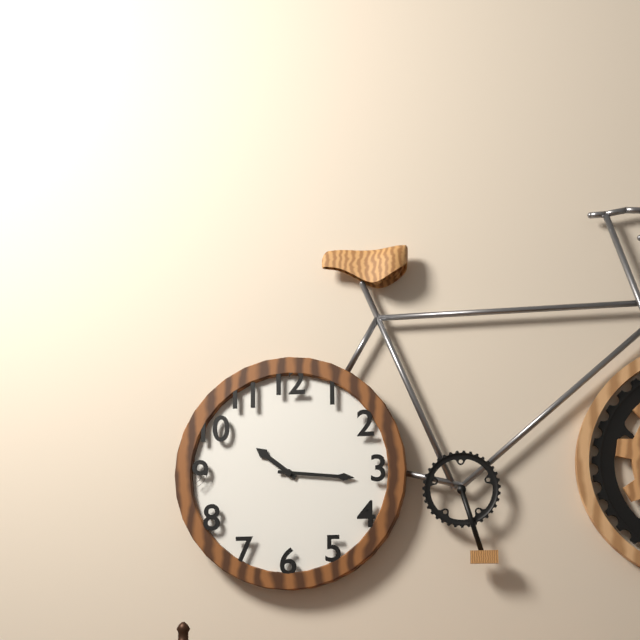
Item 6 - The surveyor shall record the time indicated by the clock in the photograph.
10:16
